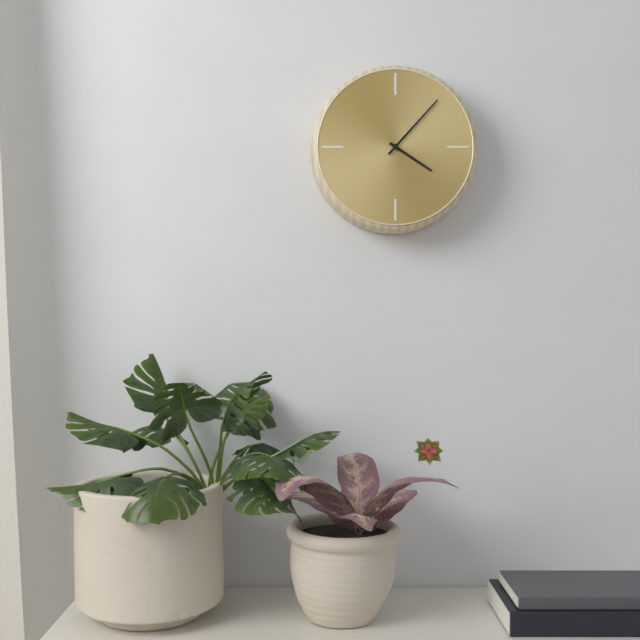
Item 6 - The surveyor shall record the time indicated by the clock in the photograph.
4:07
